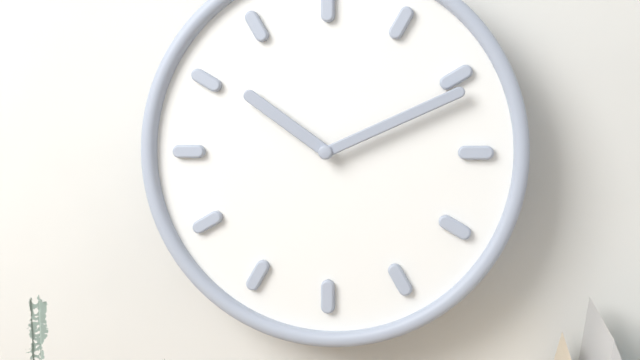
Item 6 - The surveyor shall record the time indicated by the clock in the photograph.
10:11
